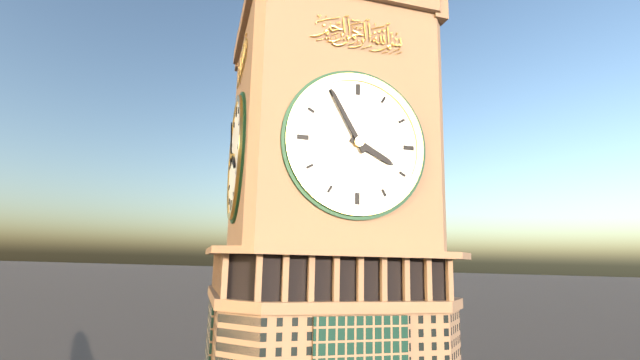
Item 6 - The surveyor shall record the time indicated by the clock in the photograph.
3:55
